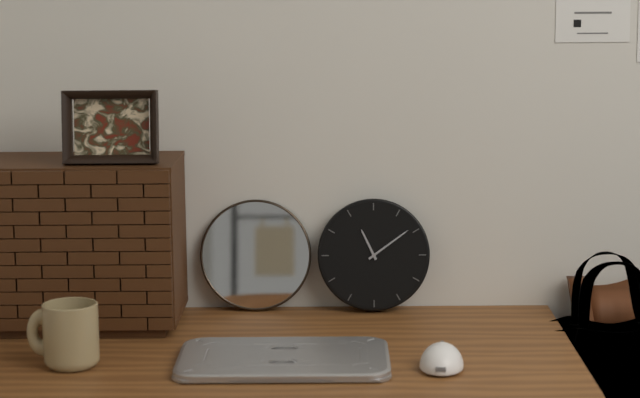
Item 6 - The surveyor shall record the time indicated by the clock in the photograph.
11:09
